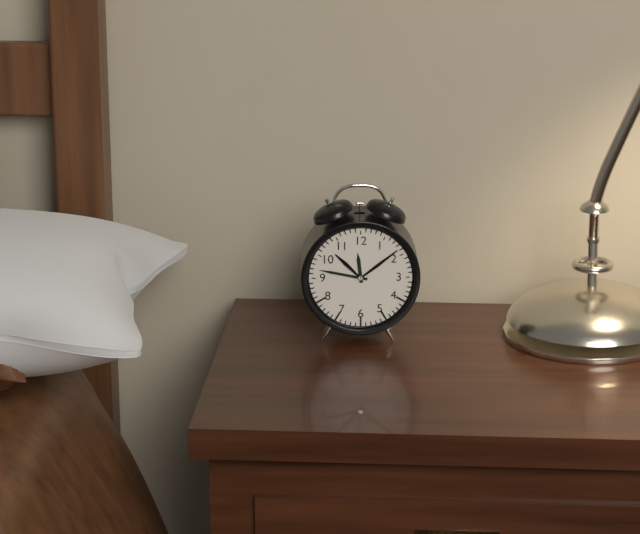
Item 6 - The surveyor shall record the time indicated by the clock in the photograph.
11:47
